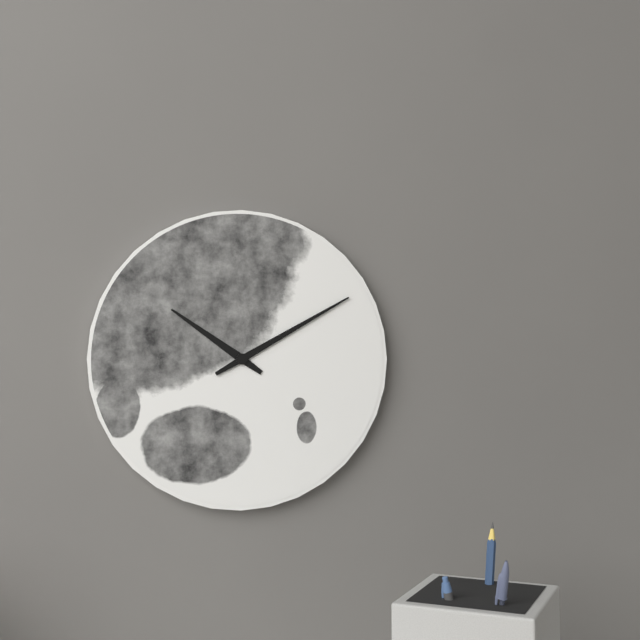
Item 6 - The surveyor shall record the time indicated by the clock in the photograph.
10:10
